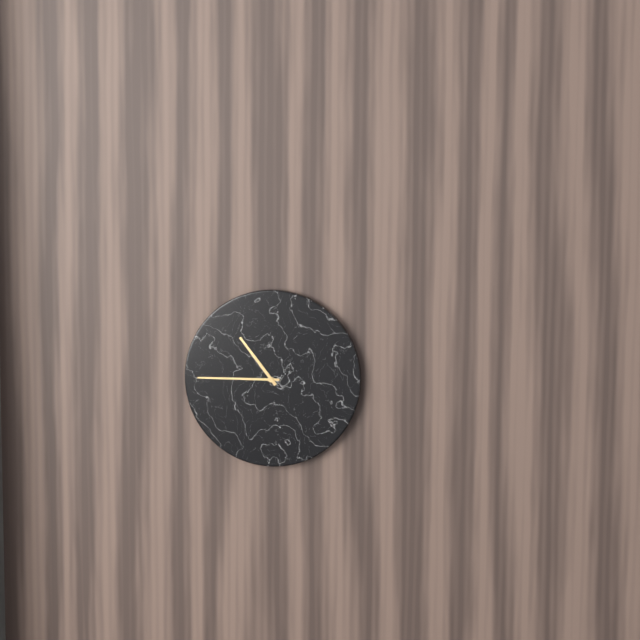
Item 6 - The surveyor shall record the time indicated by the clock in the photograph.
10:45
